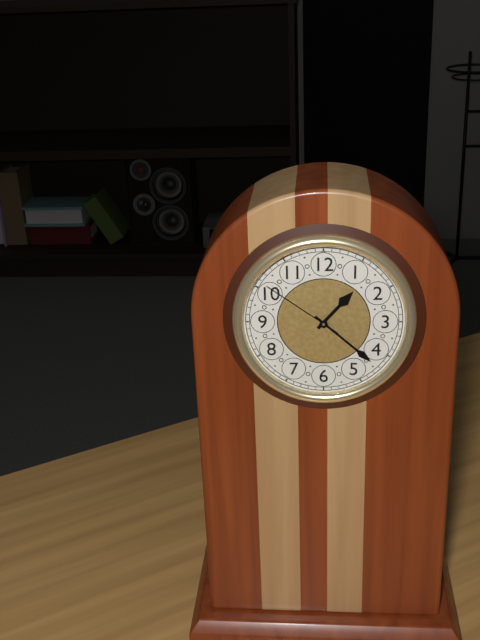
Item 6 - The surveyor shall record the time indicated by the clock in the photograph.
1:22:51
